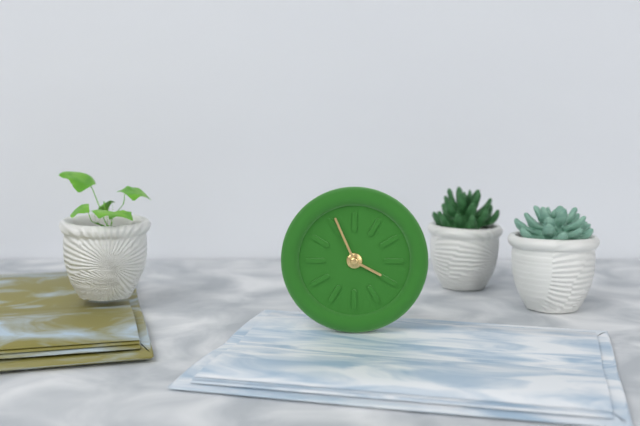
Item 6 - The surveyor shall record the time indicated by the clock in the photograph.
3:56
